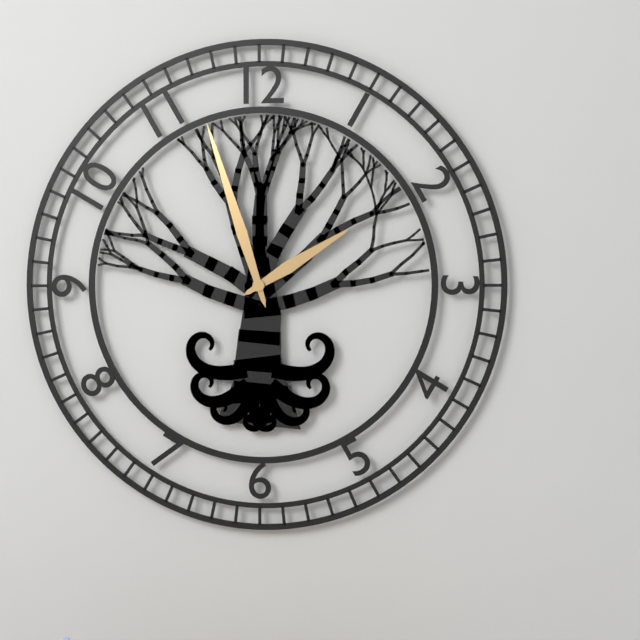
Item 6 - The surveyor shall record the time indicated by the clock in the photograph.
1:57
